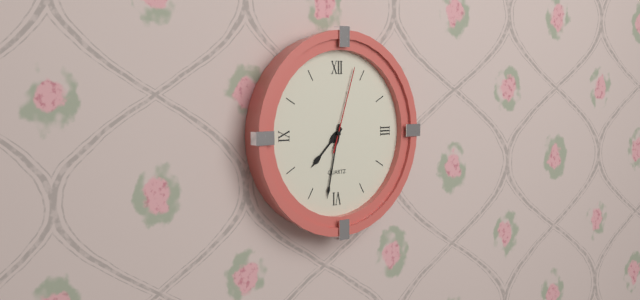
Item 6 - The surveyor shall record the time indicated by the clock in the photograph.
7:32:03
